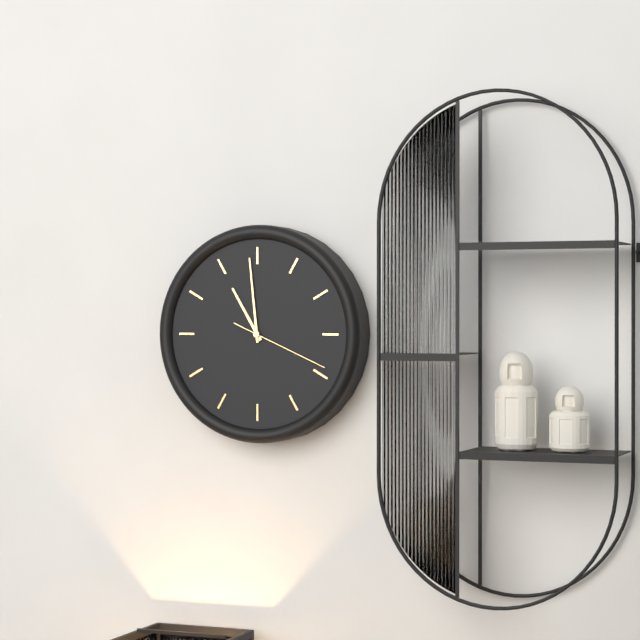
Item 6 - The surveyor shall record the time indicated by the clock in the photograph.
10:59:19
